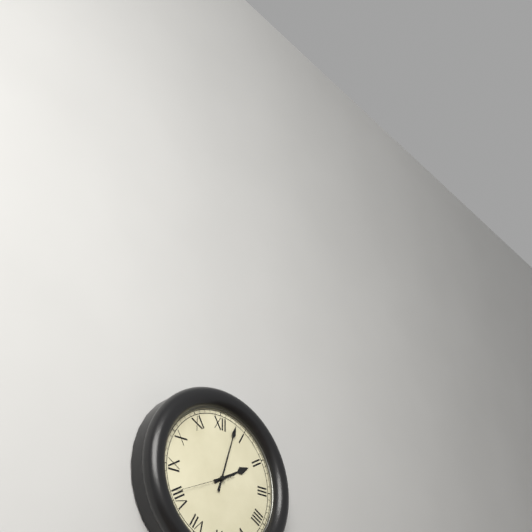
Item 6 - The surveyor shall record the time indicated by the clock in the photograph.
2:03:41
